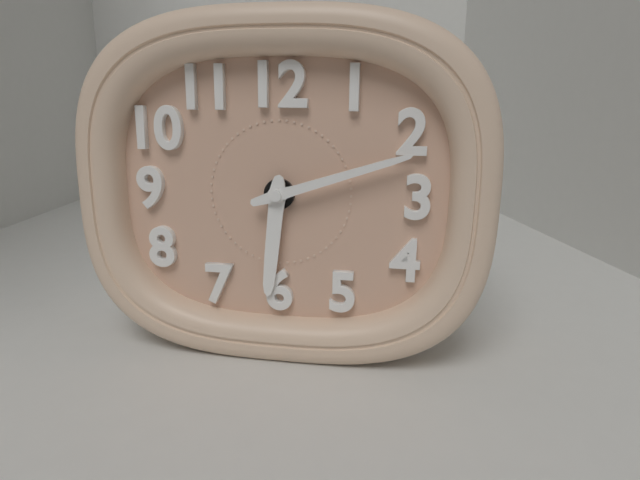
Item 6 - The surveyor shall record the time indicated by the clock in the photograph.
6:12
